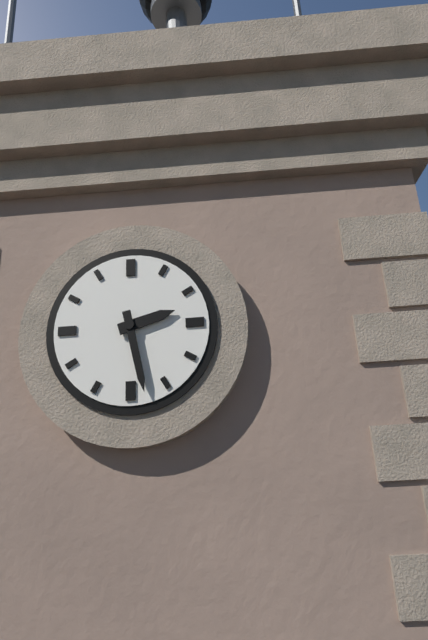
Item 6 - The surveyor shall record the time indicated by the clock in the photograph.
2:28
